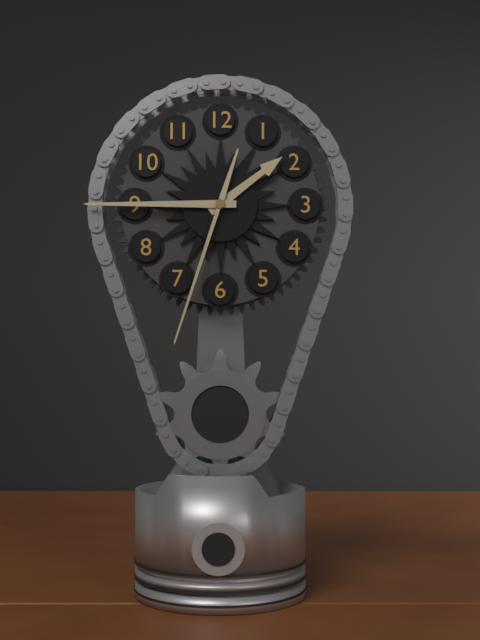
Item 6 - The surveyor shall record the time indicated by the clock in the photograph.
1:45:33
